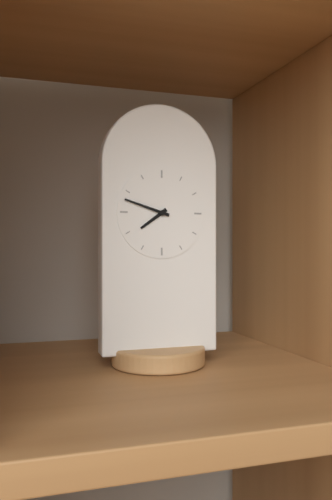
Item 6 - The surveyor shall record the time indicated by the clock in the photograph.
7:48
